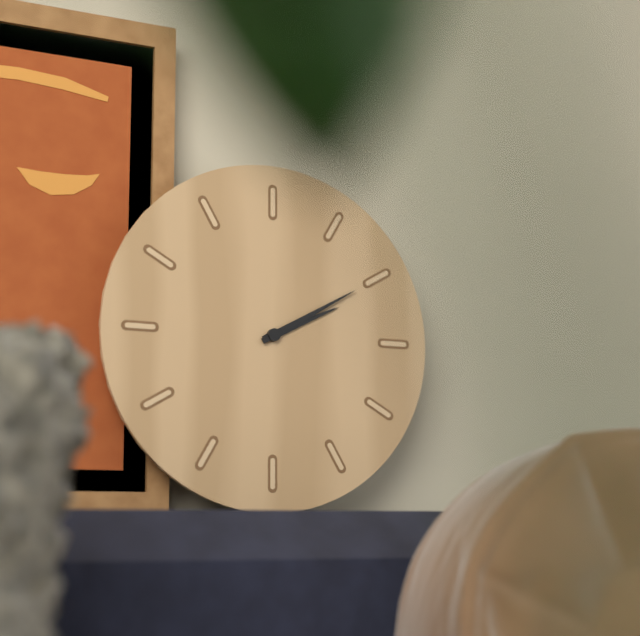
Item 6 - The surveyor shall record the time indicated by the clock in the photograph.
2:10
